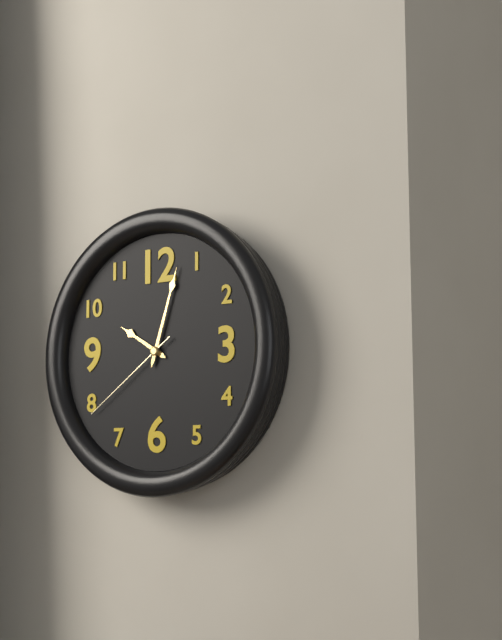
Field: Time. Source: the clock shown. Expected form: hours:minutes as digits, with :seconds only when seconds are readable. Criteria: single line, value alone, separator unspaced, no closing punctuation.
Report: 10:03:39
